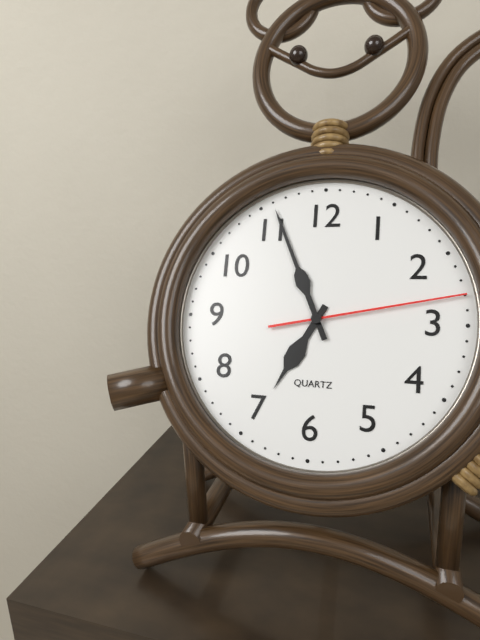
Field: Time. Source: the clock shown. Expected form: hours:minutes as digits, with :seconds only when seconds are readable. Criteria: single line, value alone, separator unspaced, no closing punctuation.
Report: 6:56:13
